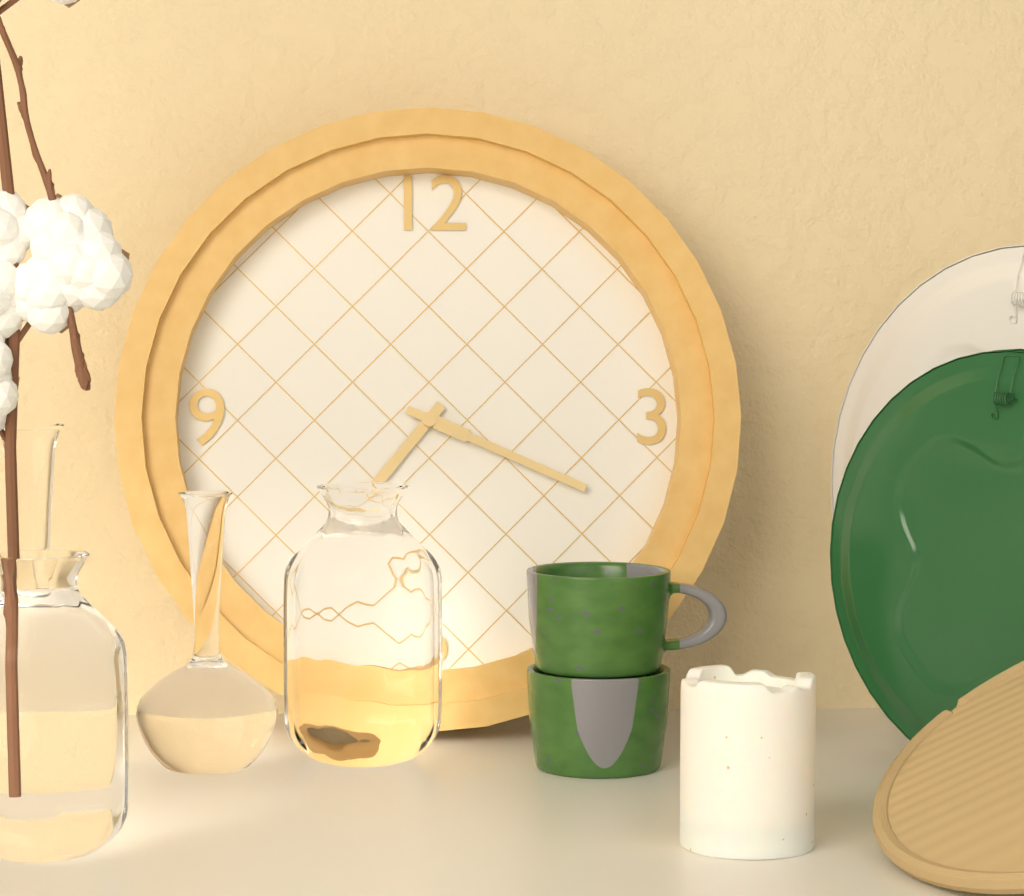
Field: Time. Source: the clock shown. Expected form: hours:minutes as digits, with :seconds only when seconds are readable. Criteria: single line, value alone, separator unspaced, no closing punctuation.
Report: 7:19
